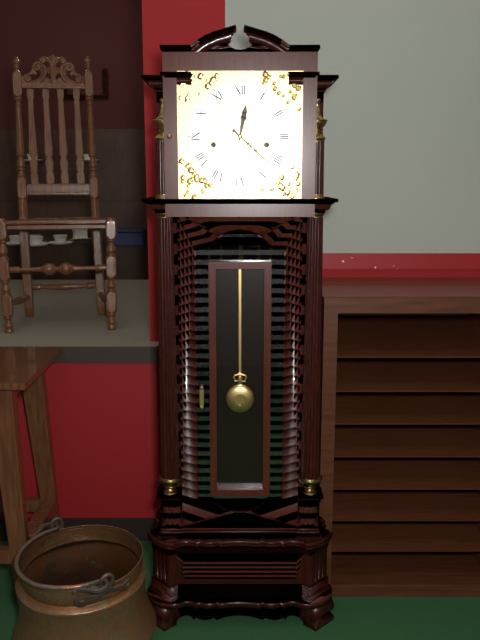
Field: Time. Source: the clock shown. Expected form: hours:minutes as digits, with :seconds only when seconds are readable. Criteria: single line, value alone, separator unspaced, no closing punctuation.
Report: 12:22
